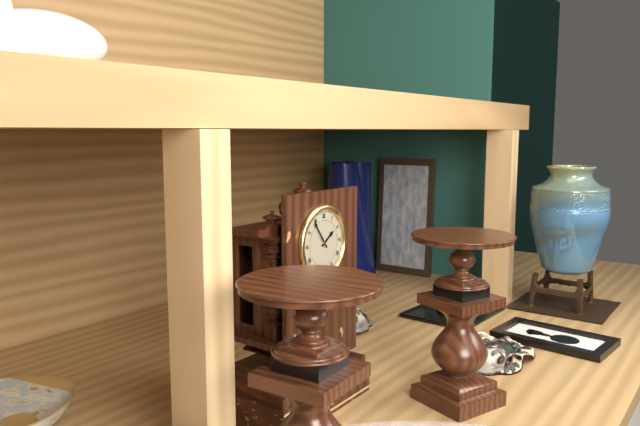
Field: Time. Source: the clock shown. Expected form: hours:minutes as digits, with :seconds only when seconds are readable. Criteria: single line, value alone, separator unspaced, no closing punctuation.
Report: 1:54
